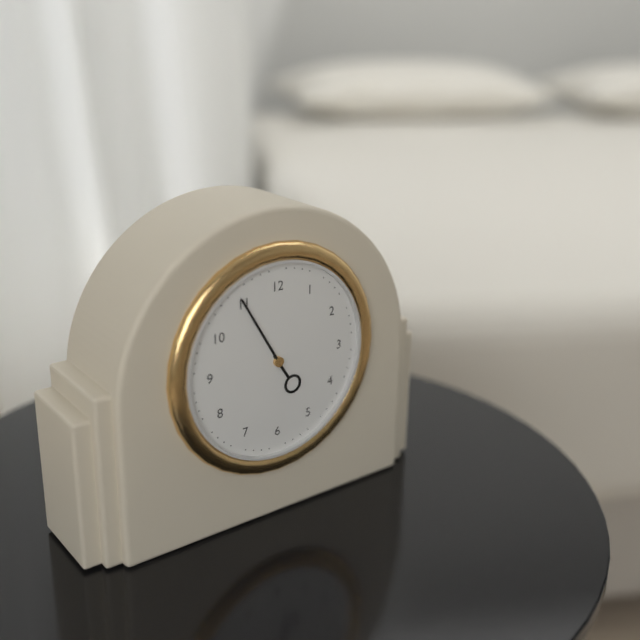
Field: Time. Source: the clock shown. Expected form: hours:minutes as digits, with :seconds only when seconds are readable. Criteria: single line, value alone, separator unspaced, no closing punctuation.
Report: 4:55
